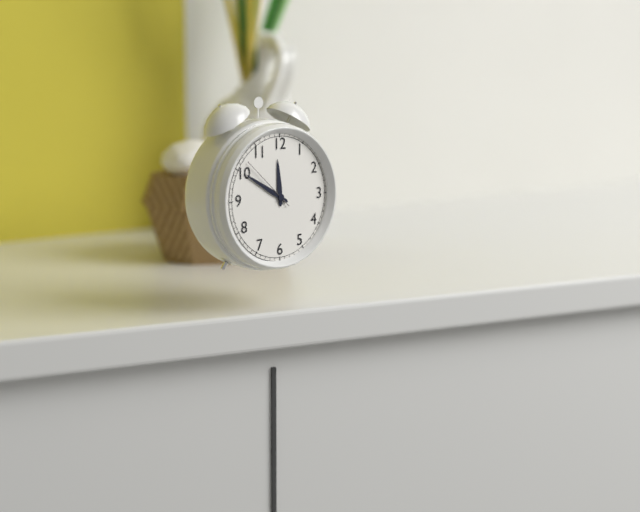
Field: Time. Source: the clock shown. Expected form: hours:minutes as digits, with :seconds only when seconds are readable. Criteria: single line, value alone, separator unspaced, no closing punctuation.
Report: 11:50:52
